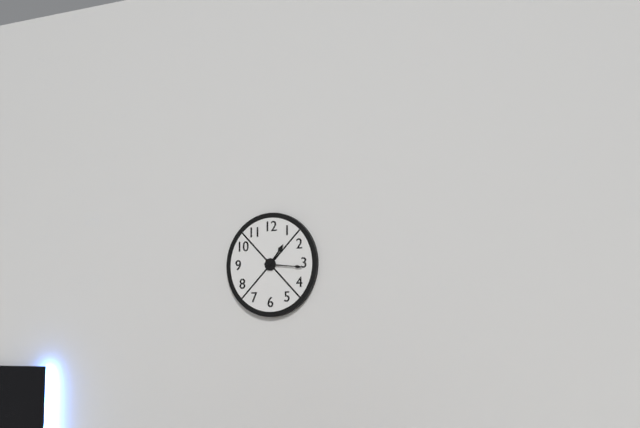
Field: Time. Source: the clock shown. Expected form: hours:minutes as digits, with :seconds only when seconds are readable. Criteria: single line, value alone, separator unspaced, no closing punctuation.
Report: 1:16
